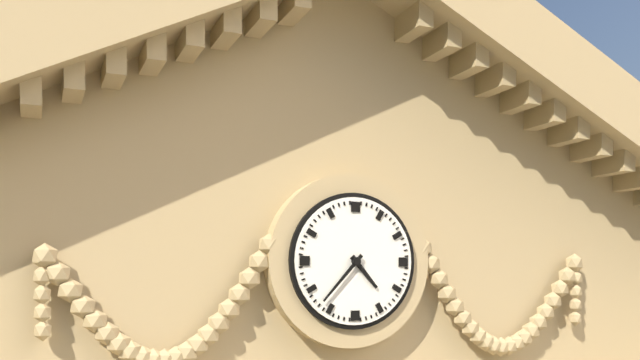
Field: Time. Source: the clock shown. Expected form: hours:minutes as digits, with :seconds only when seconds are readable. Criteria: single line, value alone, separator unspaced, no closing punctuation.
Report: 4:37
